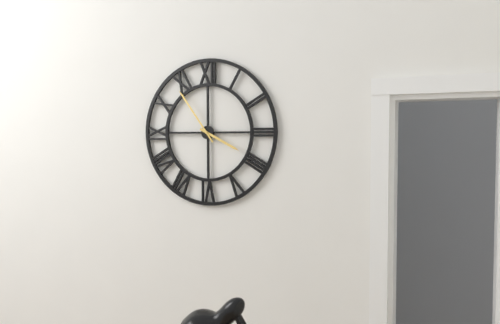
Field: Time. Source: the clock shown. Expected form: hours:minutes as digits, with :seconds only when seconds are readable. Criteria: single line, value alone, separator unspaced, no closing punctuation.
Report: 3:54
